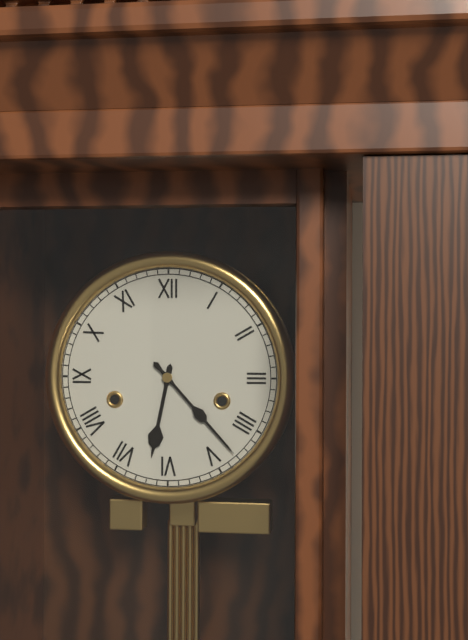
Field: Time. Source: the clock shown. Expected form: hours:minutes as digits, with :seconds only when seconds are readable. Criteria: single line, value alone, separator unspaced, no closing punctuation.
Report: 6:23
